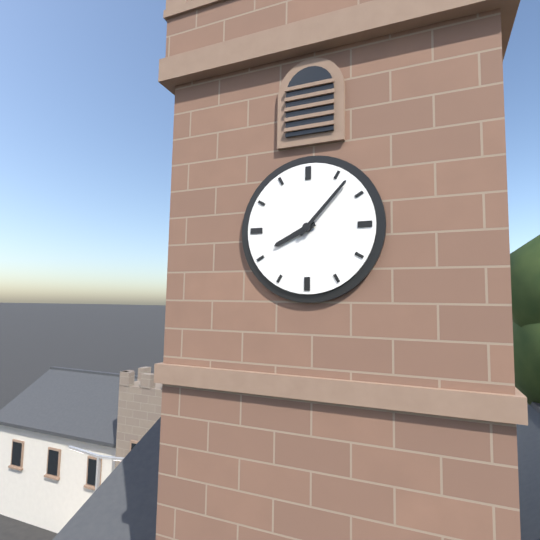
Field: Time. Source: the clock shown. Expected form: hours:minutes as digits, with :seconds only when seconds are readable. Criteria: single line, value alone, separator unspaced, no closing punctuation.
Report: 8:07
